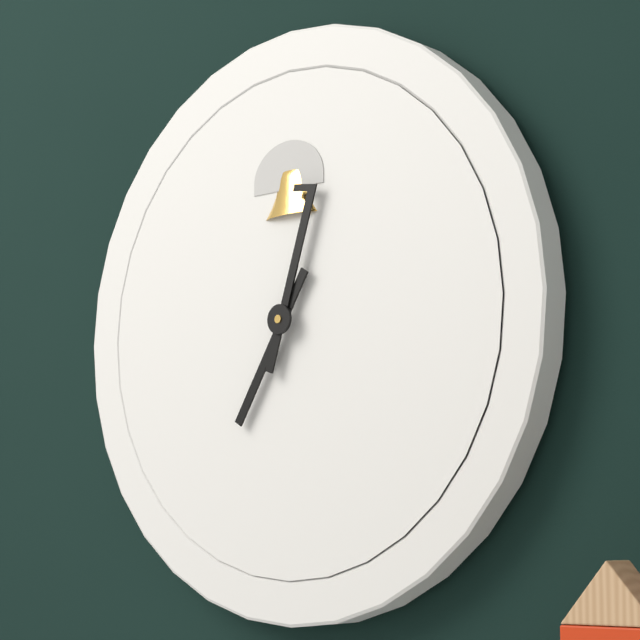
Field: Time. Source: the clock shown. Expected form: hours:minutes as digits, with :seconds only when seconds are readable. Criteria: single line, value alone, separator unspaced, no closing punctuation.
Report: 7:03
